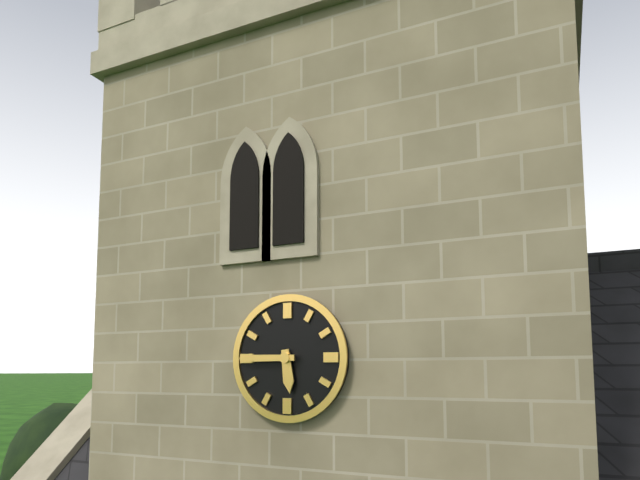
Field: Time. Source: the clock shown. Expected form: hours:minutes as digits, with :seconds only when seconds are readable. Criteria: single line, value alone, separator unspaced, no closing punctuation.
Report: 5:45
